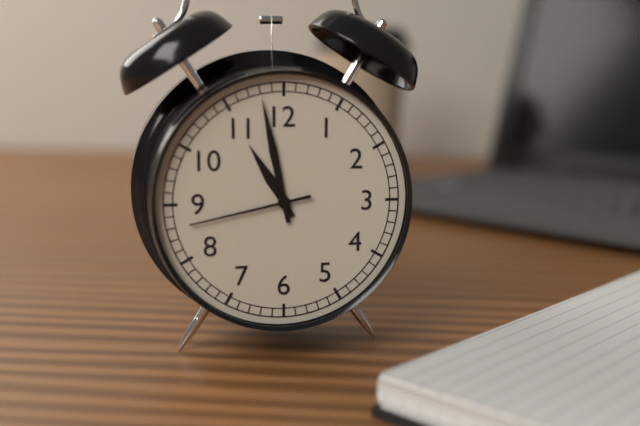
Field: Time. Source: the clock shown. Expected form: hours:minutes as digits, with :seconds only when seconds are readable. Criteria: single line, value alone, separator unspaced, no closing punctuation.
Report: 10:58:43
